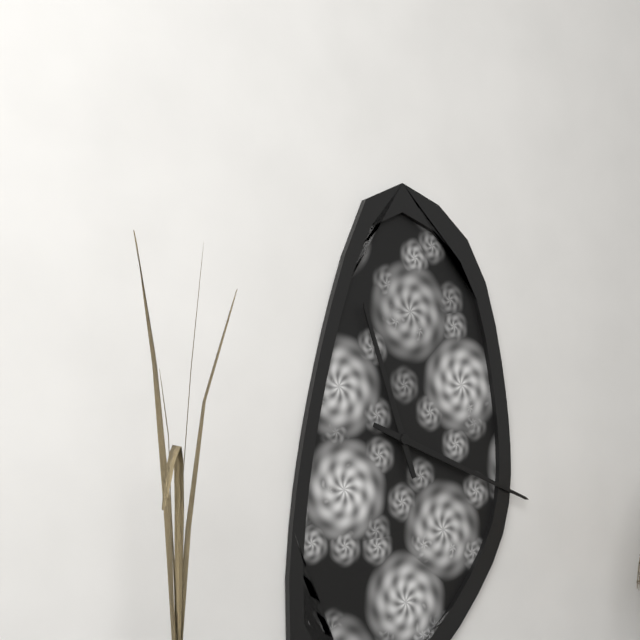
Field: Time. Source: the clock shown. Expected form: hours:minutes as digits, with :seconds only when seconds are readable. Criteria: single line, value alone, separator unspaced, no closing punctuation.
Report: 11:18
